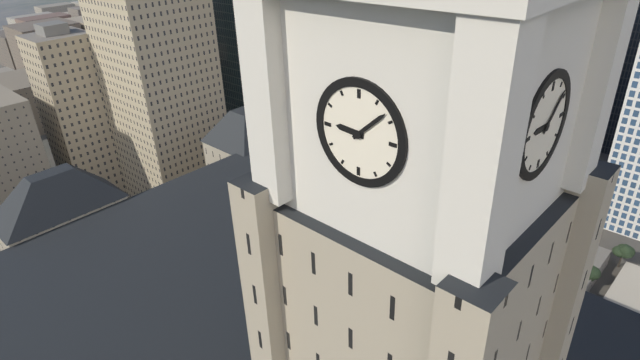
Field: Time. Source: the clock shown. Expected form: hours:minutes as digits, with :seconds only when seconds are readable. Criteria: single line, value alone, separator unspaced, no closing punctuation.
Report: 9:08
